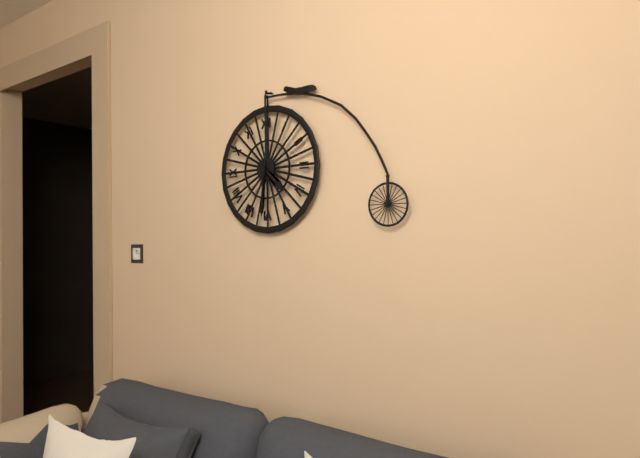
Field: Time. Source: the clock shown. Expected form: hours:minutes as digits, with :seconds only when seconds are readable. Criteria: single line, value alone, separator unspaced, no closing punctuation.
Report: 4:31
